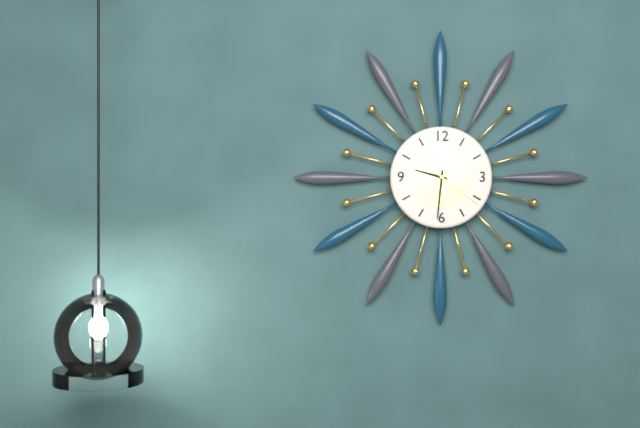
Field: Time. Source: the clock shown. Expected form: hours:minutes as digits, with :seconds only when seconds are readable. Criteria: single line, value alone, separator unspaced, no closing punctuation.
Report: 9:31:21
